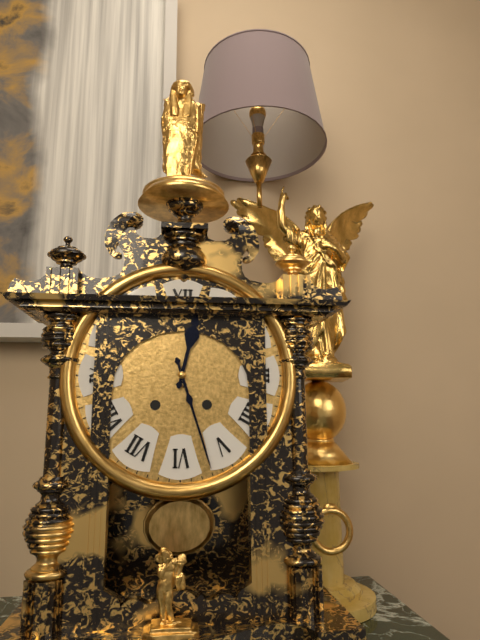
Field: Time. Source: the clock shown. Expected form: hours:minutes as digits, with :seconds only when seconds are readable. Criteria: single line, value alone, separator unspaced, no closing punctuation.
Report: 12:27
